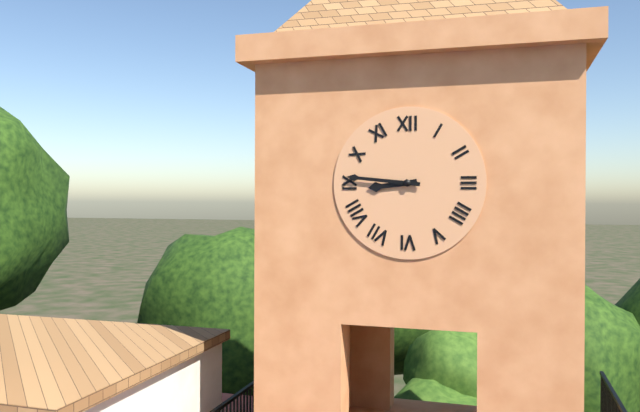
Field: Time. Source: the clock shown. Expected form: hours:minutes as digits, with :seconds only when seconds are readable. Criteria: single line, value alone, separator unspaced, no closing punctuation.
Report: 8:46
